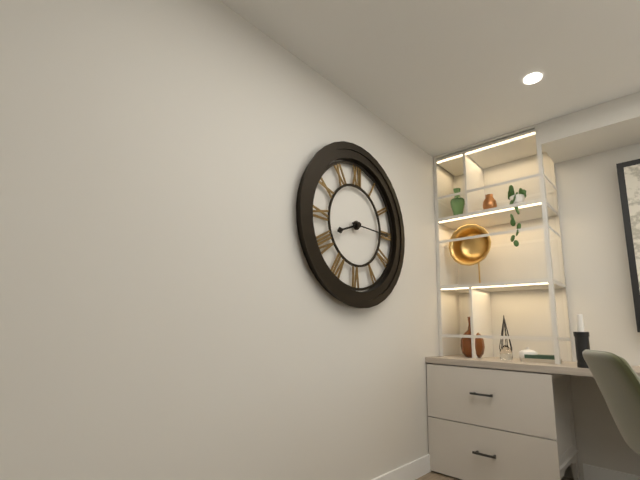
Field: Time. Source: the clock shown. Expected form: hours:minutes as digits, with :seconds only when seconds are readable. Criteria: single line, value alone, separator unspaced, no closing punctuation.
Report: 8:15
